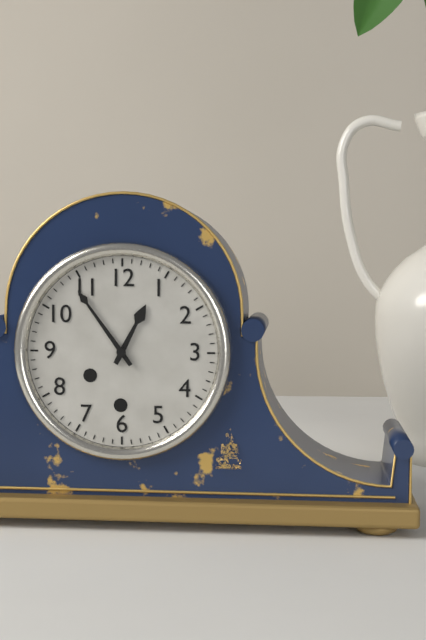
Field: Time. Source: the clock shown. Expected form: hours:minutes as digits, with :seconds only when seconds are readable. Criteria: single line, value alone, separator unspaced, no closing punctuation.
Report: 12:54
